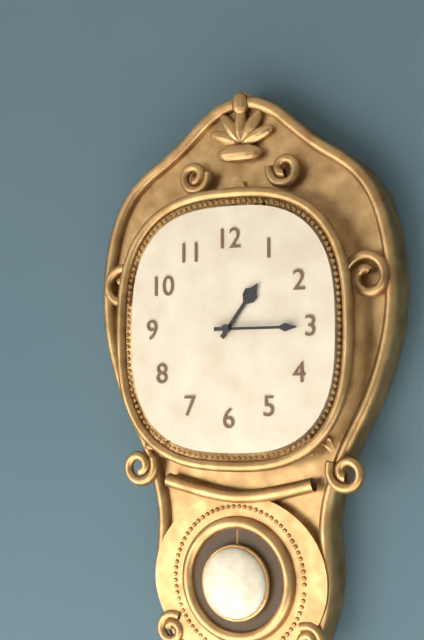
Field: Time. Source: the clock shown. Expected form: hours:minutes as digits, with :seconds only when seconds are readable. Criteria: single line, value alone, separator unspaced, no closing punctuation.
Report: 1:15
